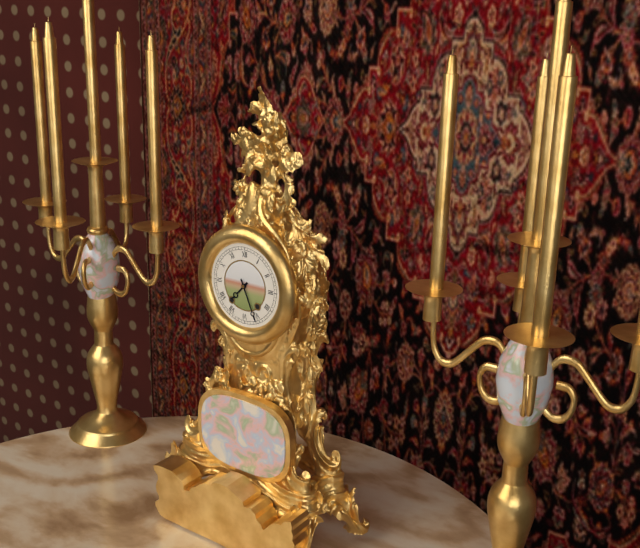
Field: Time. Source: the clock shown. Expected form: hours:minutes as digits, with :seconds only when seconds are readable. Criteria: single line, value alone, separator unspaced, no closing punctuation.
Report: 7:26
